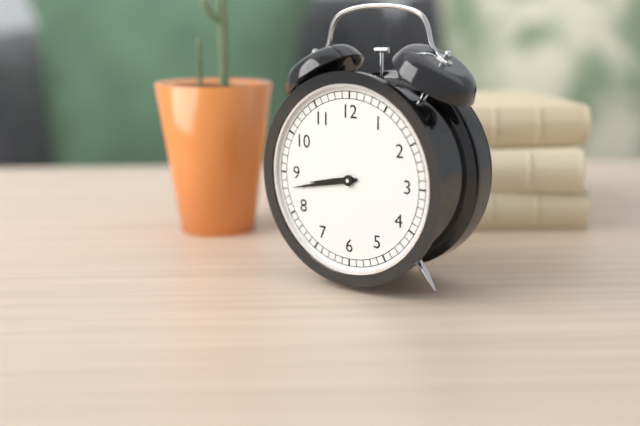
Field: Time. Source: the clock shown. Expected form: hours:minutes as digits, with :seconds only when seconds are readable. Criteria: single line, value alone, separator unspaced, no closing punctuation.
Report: 8:43
